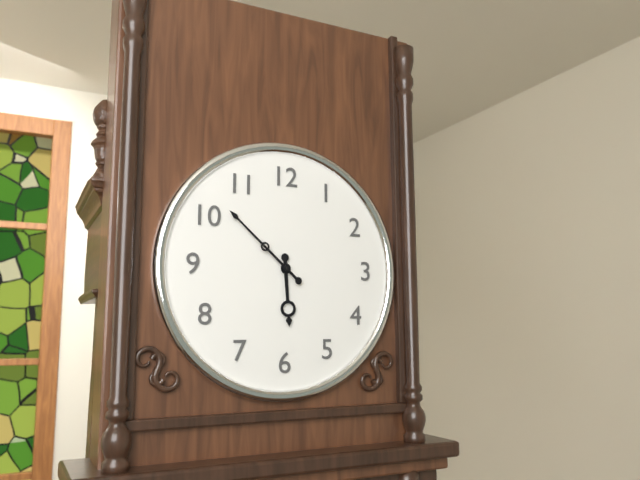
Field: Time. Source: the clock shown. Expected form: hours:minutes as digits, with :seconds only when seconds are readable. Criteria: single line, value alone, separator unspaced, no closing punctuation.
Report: 5:52
